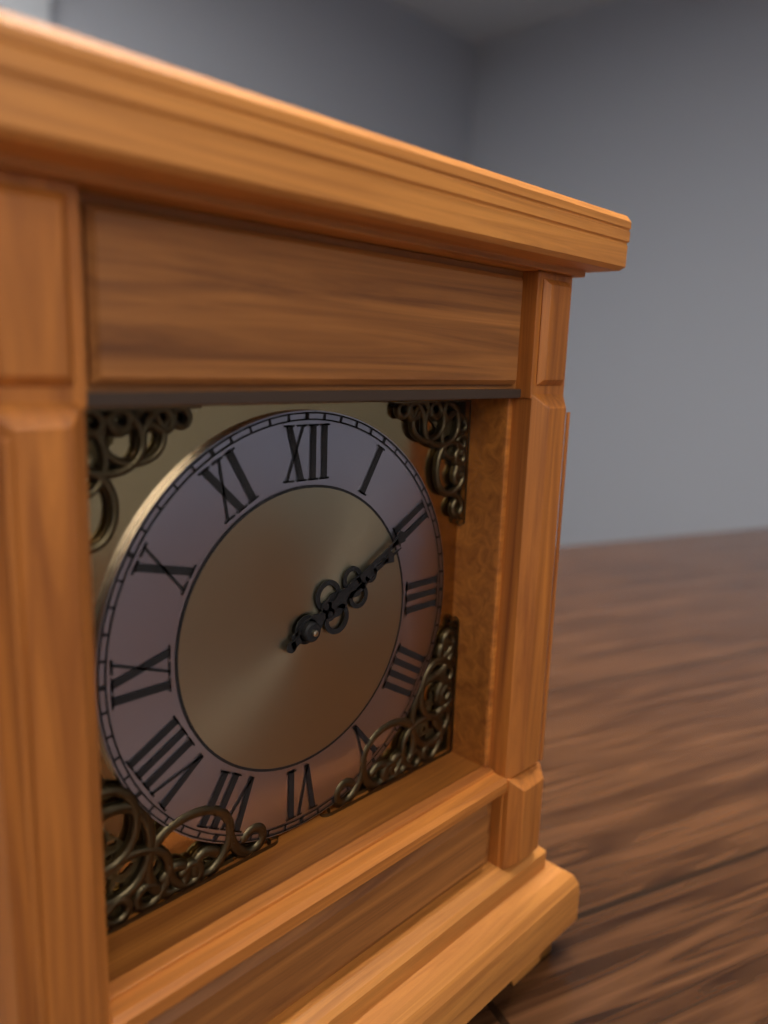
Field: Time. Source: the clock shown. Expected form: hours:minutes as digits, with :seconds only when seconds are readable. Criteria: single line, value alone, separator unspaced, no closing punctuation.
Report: 2:10
